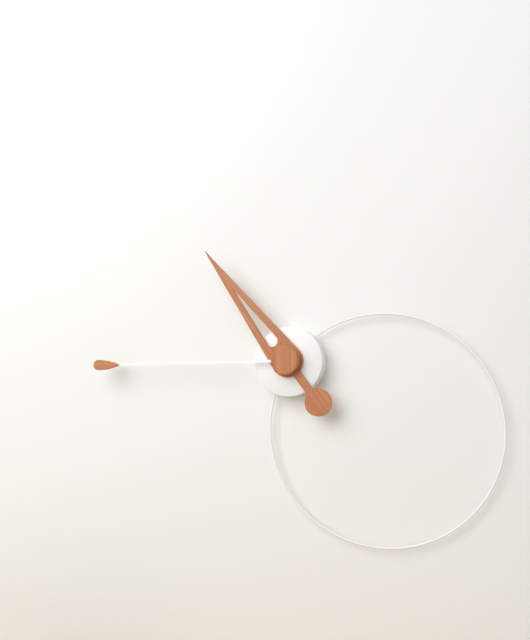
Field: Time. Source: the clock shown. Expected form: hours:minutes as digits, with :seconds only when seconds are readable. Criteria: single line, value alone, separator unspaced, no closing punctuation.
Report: 10:45
